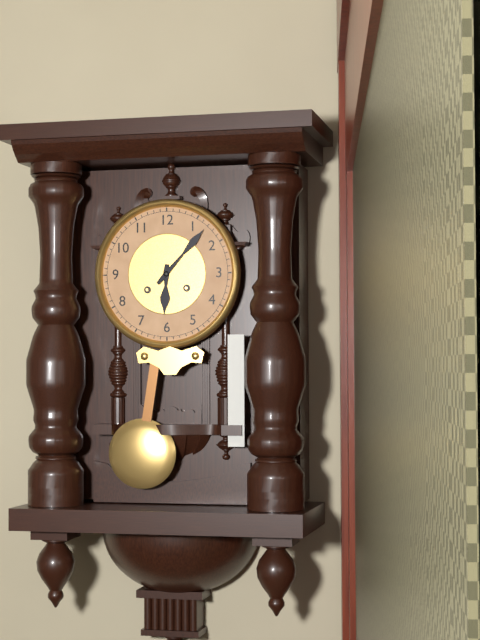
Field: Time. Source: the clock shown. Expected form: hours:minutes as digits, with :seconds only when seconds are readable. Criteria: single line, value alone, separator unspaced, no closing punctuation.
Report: 6:07
